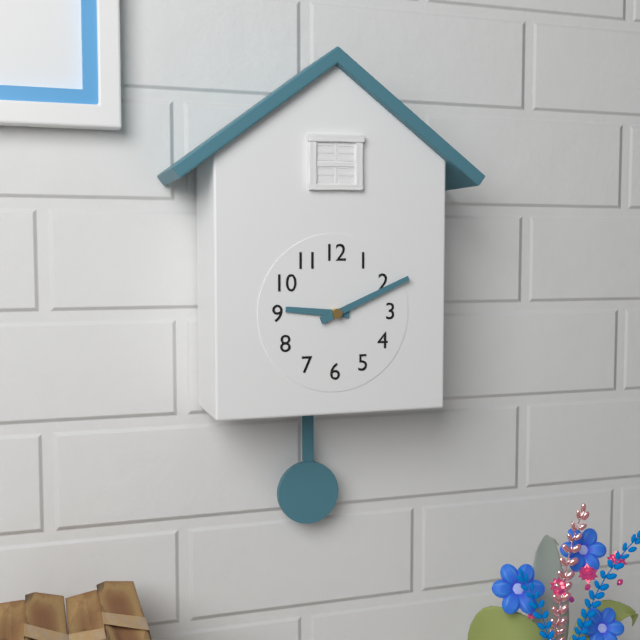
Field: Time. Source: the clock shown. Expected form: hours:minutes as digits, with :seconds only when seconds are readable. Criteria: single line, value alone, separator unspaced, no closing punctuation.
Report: 9:11
